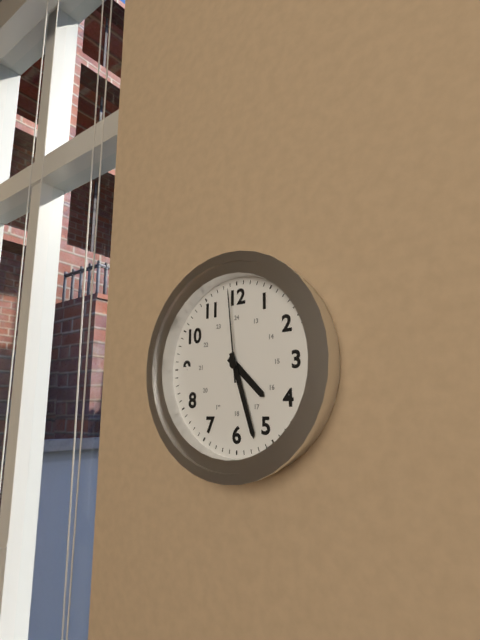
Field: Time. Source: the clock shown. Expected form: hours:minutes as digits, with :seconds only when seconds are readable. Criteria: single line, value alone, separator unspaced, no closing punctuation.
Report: 4:27:59
